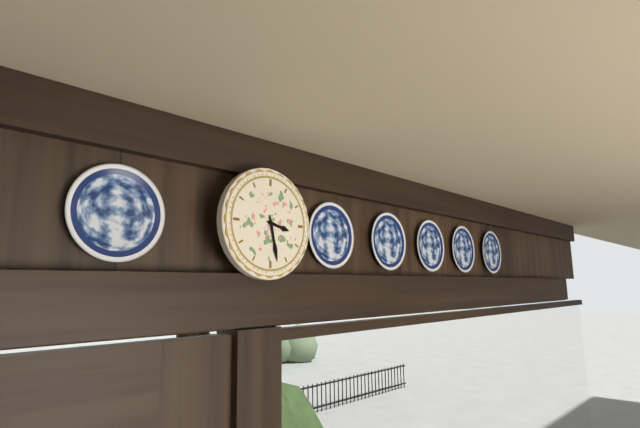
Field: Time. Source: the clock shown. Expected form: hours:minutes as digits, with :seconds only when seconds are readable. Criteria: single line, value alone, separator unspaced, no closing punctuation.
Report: 3:28
